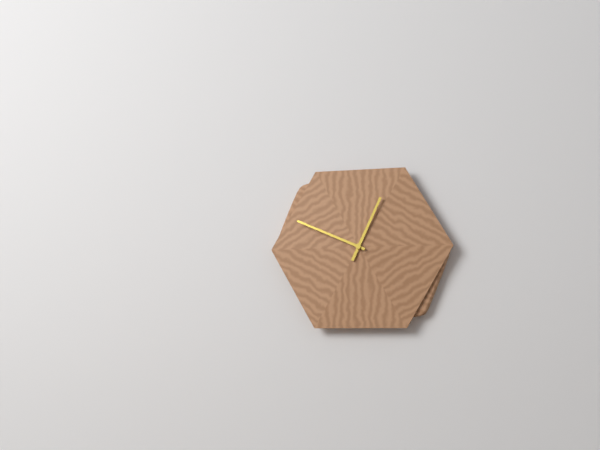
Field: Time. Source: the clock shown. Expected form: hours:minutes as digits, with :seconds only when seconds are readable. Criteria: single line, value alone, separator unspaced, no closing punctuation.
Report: 12:49
